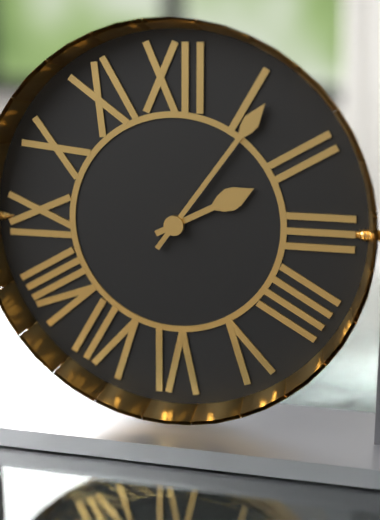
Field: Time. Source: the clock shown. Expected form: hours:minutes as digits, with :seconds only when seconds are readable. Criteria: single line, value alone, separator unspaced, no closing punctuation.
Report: 2:06
